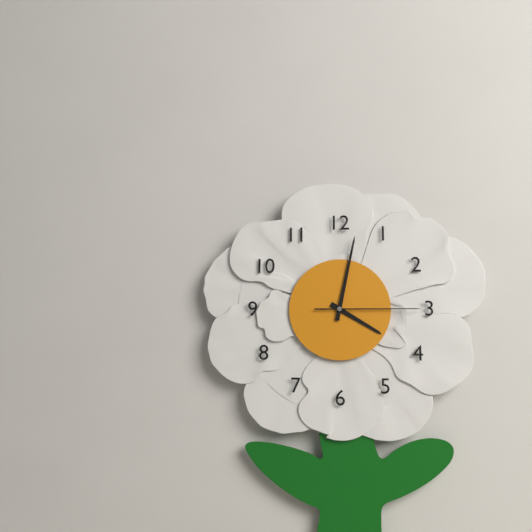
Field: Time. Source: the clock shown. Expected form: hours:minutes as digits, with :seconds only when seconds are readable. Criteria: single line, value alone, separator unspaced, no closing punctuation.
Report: 4:02:15
